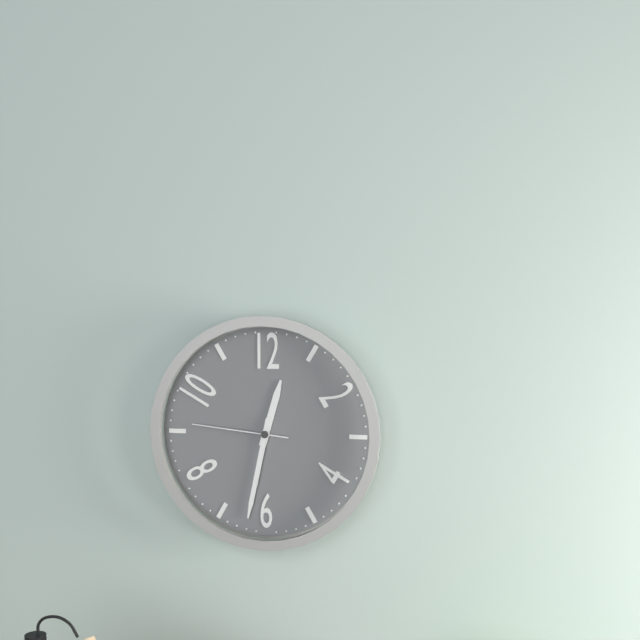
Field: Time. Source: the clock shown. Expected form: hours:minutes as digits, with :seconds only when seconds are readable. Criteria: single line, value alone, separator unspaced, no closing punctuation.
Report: 12:32:46
